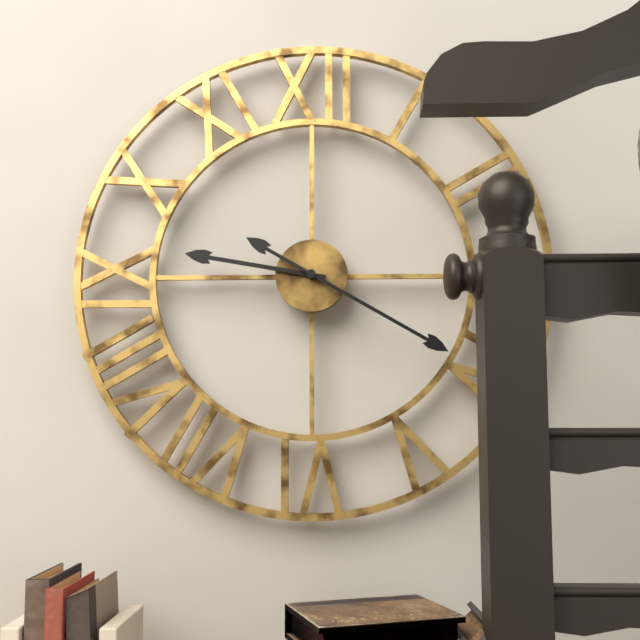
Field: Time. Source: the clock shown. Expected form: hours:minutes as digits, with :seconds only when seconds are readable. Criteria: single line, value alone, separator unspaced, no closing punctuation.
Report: 9:20
